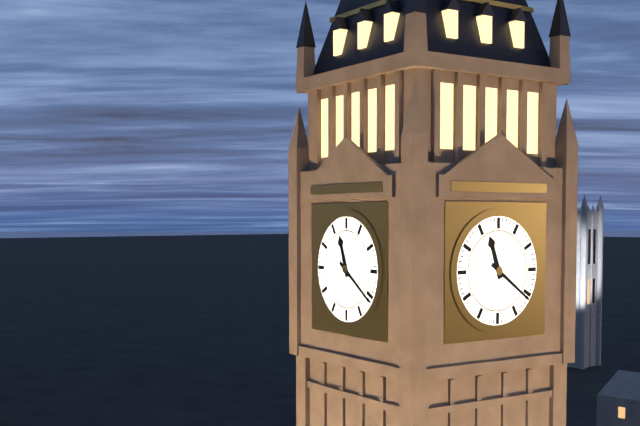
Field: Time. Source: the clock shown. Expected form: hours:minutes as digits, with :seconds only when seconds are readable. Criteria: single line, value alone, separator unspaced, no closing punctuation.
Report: 11:21
